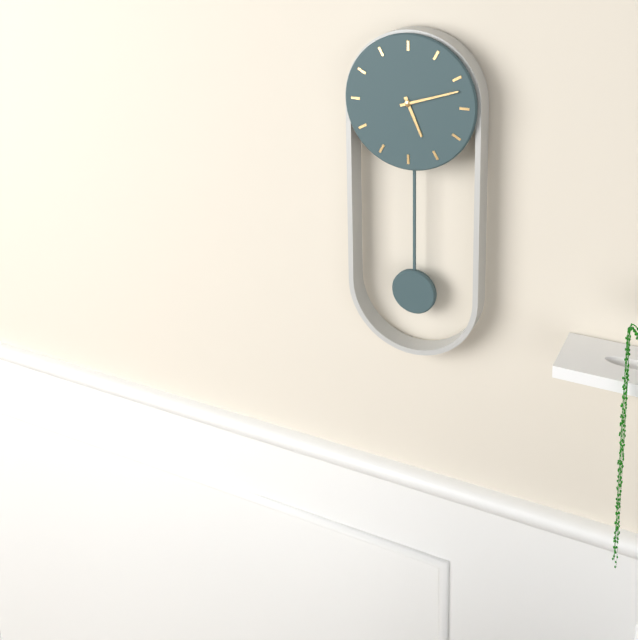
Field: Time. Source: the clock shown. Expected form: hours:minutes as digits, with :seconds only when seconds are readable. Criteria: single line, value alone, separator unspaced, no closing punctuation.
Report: 5:12
